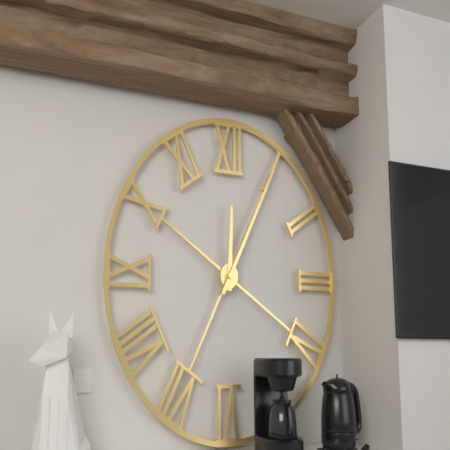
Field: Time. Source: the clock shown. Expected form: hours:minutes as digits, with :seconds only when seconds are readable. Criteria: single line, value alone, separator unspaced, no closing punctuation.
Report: 12:05
